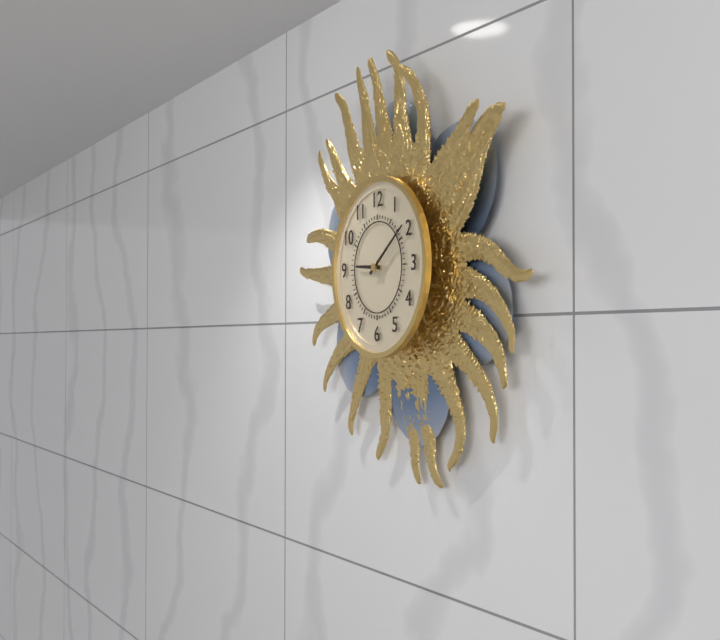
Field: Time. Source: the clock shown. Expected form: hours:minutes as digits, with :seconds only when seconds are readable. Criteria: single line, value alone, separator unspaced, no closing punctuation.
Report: 9:09
